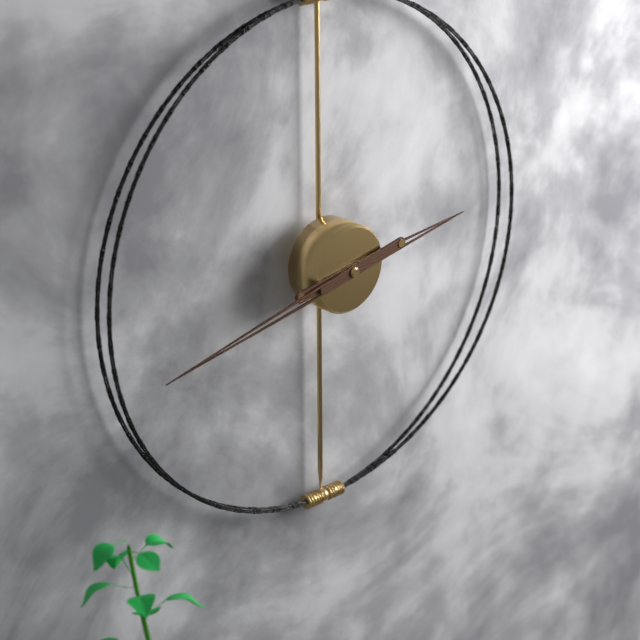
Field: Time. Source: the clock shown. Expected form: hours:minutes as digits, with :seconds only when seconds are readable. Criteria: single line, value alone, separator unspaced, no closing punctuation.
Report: 2:43
